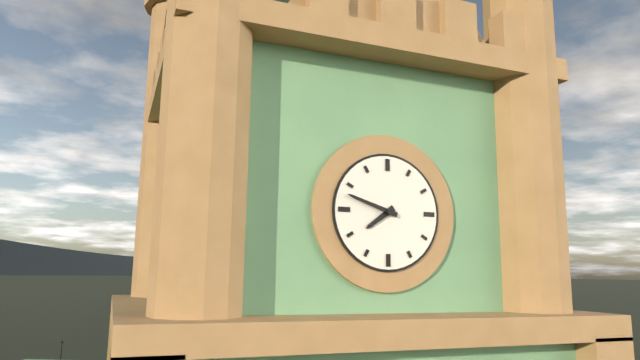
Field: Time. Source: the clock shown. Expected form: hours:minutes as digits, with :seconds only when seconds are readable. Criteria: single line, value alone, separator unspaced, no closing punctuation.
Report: 7:48
